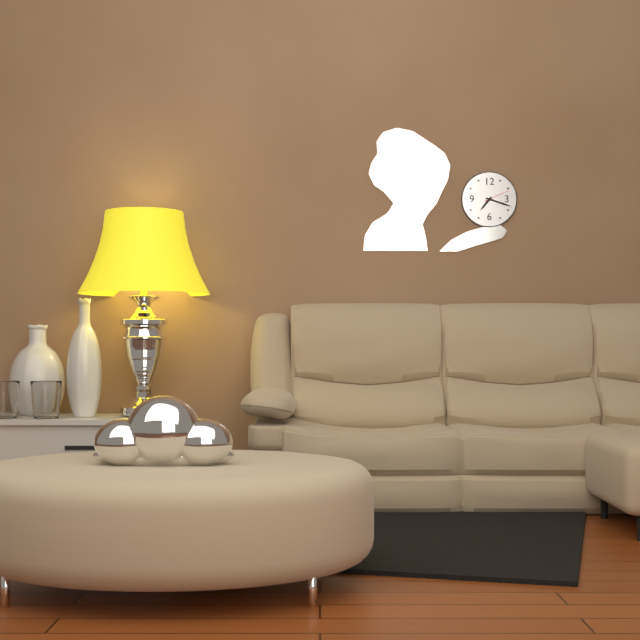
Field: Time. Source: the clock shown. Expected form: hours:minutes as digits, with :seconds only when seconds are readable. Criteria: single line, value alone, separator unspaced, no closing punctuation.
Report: 7:18
